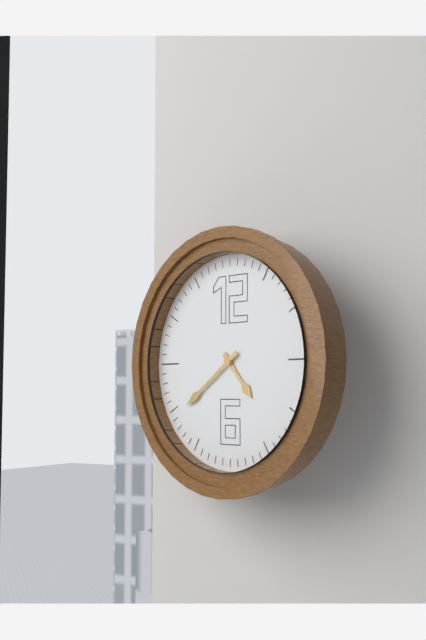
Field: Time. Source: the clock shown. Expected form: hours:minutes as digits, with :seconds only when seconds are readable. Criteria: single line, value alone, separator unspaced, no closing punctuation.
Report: 4:39
